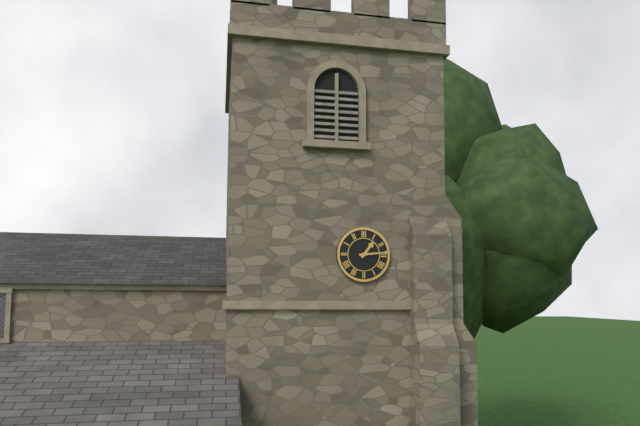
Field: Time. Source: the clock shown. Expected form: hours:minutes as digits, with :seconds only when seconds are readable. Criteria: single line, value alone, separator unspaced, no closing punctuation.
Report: 1:14
